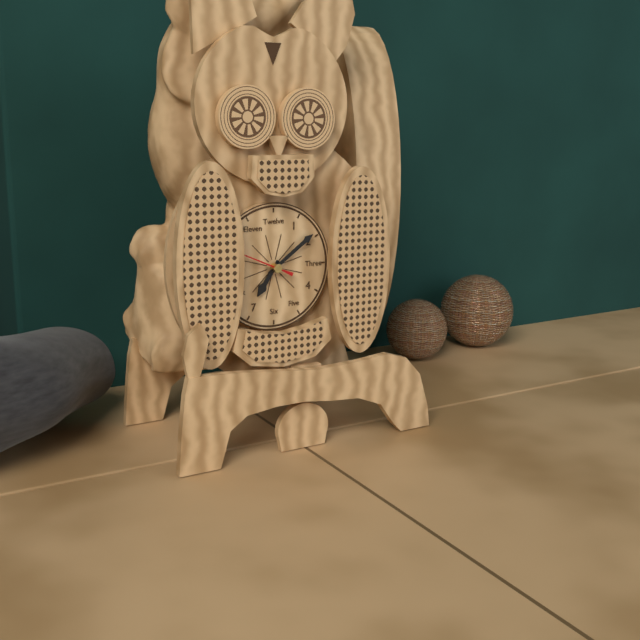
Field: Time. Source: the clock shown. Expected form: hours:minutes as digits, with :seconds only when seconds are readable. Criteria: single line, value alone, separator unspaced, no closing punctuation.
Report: 7:09
